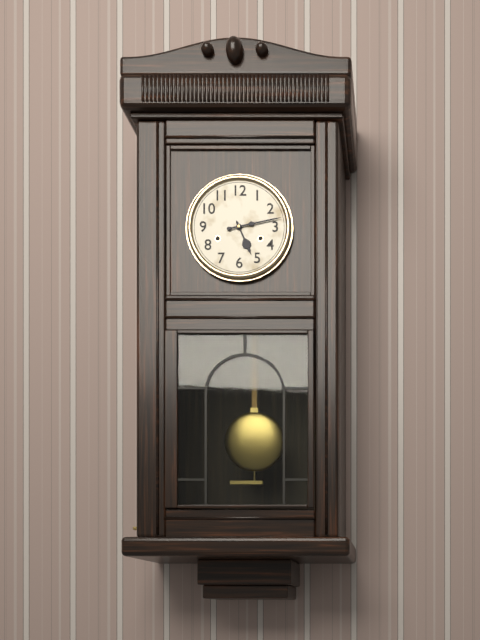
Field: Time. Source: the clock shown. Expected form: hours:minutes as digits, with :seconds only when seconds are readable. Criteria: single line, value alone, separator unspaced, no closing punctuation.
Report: 5:13
